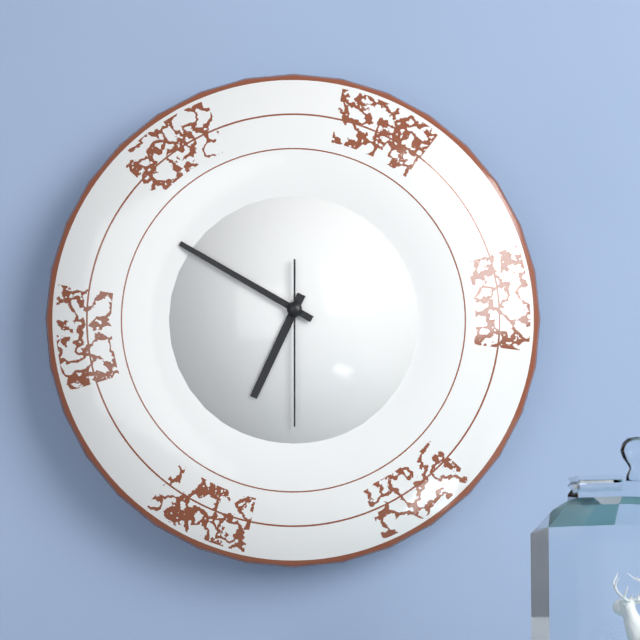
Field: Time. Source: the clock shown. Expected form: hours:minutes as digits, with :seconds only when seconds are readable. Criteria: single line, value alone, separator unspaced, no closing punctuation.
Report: 6:50:30
